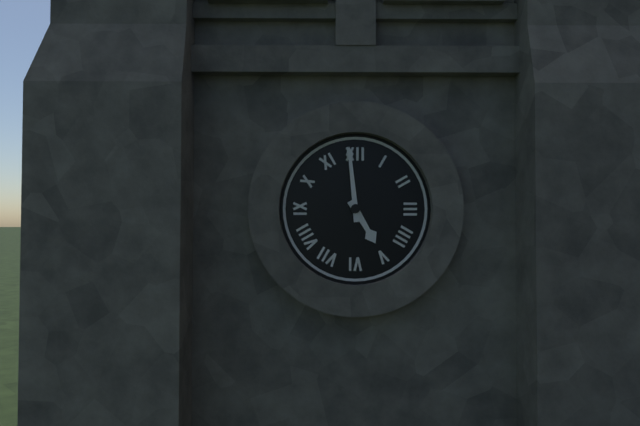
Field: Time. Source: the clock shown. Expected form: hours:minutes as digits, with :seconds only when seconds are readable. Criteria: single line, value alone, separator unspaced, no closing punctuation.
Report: 4:59
